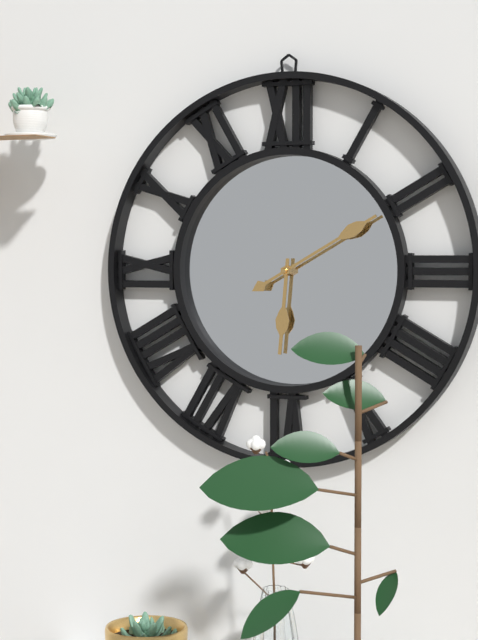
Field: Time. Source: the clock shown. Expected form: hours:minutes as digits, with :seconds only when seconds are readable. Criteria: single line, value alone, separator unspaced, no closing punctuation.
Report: 6:10
